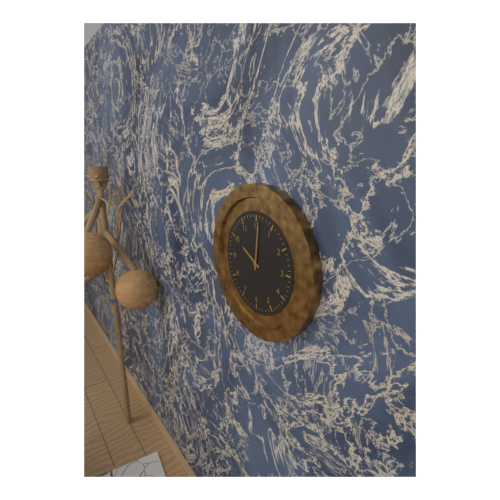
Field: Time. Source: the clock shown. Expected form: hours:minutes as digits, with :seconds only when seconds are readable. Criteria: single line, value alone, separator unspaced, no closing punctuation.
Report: 10:01
